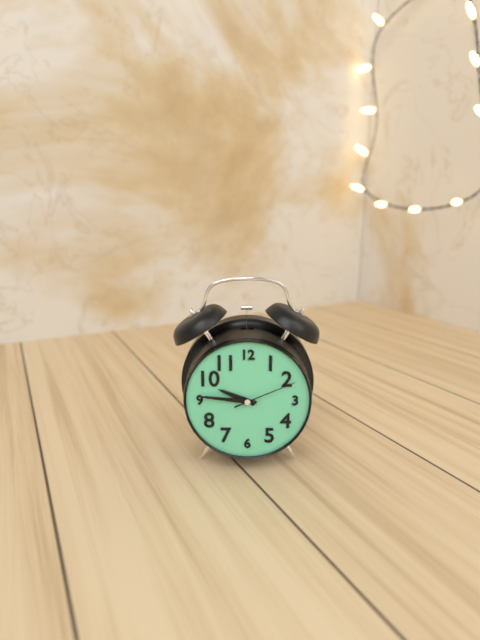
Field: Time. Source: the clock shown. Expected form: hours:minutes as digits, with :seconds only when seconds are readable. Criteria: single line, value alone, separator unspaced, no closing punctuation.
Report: 9:46:11
